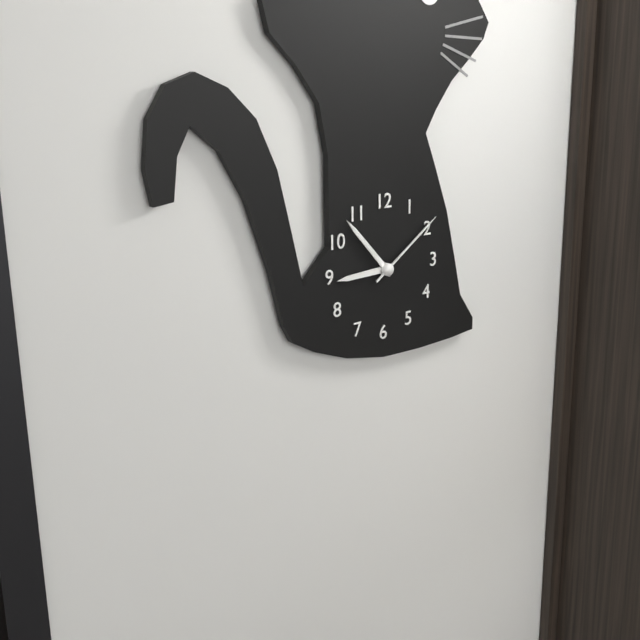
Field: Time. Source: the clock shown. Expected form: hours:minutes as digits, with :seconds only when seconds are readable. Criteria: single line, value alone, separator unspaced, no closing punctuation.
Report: 8:53:09
